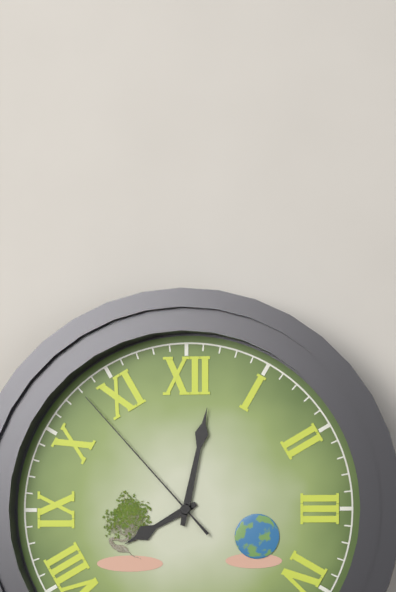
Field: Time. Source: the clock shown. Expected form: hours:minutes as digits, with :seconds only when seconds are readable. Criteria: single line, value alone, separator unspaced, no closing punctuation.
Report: 8:02:53
